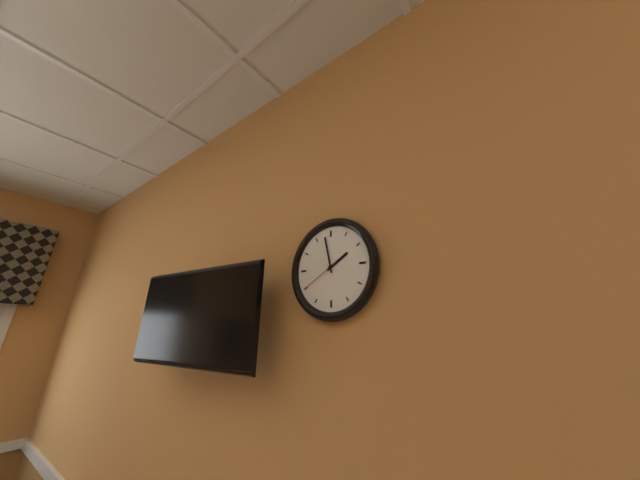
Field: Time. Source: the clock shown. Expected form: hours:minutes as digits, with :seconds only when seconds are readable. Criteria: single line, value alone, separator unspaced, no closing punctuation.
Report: 1:58
